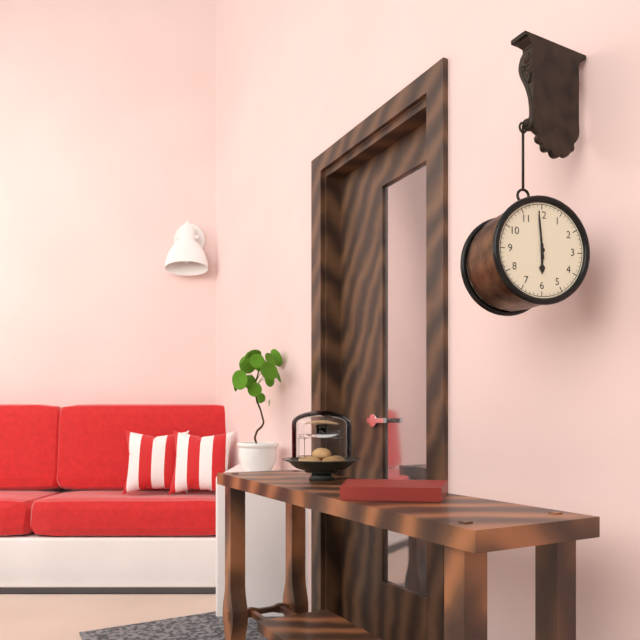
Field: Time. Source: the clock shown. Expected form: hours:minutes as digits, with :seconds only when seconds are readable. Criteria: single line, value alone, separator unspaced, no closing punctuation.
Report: 5:59
